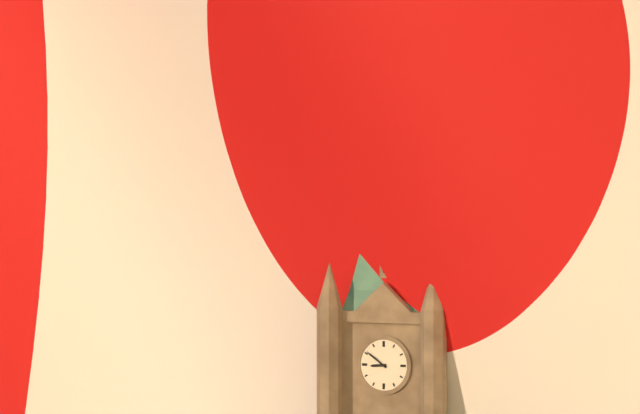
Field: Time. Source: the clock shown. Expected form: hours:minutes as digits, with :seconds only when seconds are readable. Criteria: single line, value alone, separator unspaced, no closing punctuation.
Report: 8:51
